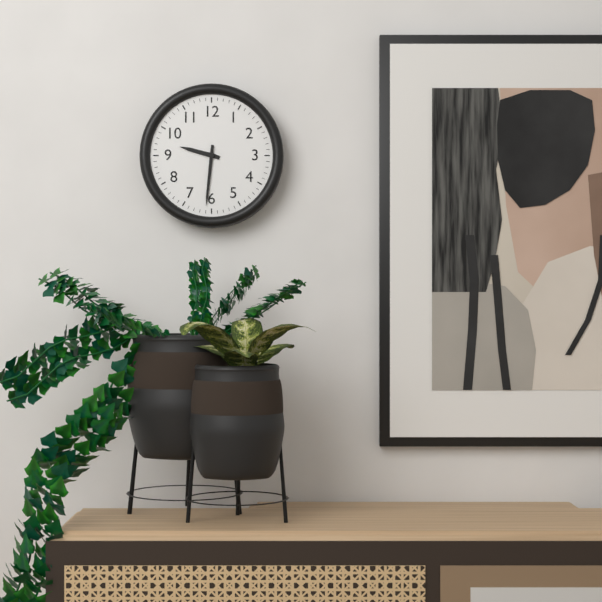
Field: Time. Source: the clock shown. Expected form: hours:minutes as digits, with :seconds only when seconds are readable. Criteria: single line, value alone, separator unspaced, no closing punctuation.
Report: 9:31
